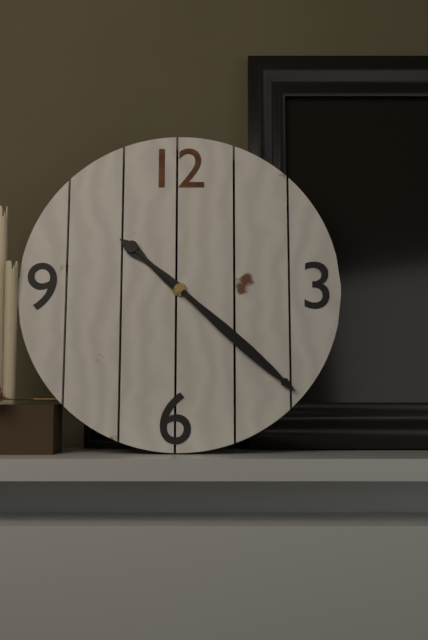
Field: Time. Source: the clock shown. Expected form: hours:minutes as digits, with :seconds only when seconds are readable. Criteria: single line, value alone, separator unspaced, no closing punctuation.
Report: 10:22
